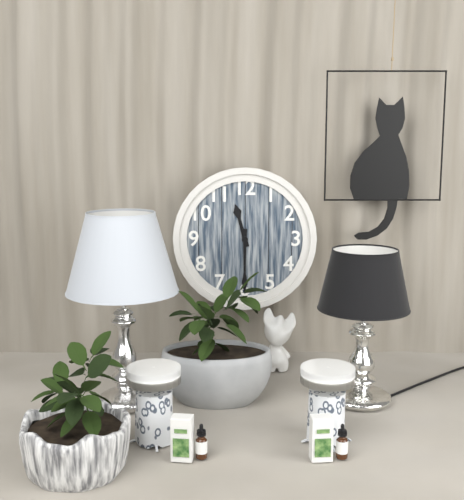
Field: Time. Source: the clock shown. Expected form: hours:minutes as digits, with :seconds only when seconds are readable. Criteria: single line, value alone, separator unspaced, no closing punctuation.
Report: 11:30
